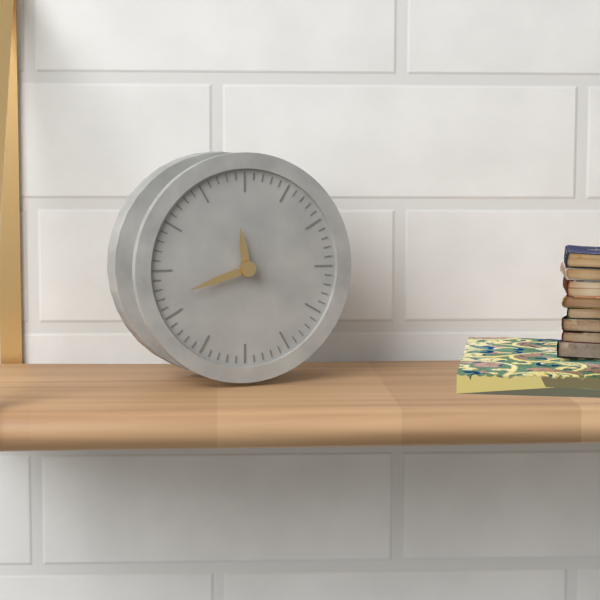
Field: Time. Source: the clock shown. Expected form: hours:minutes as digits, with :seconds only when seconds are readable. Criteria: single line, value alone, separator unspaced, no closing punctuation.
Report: 11:42
